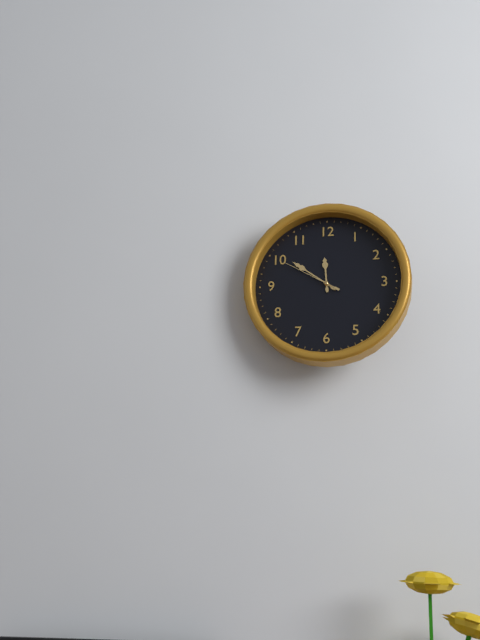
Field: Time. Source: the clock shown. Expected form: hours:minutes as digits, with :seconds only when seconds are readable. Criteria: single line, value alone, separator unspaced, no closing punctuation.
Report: 11:51:50
